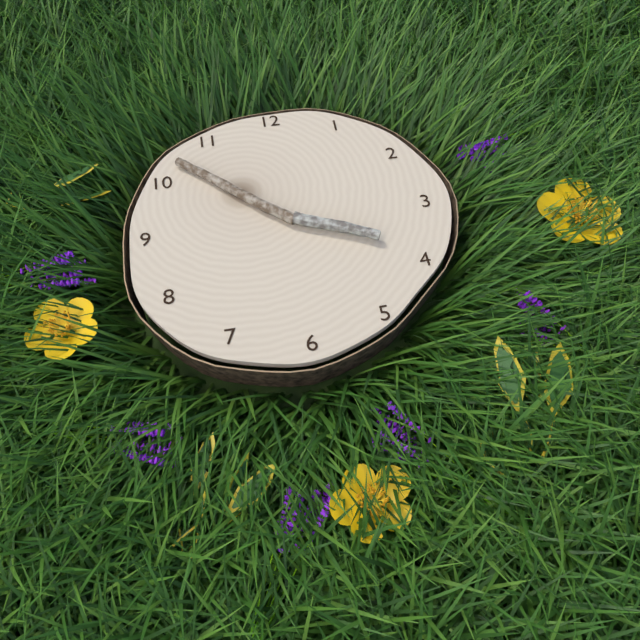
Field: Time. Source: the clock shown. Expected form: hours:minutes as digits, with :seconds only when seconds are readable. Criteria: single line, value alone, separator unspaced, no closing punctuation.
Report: 3:52
